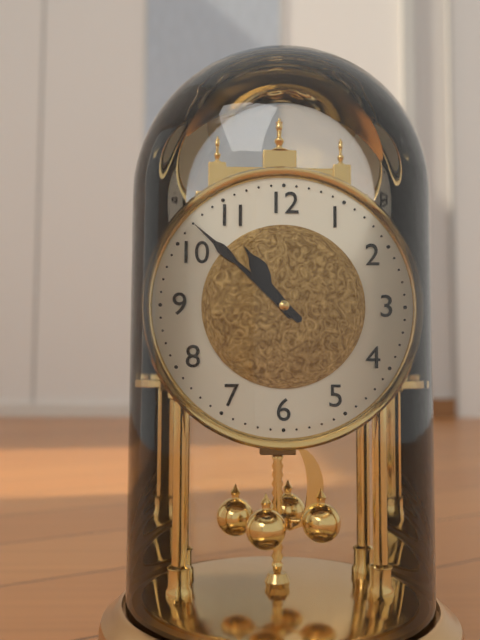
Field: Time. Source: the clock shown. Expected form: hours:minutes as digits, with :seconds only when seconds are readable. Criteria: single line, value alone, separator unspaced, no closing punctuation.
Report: 10:52
